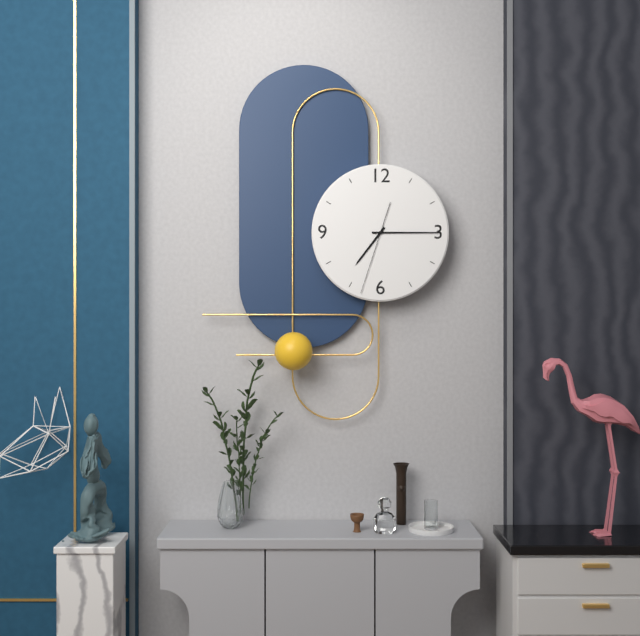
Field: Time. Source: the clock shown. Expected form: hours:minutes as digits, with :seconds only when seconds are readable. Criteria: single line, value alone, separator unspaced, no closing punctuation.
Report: 7:15:33
